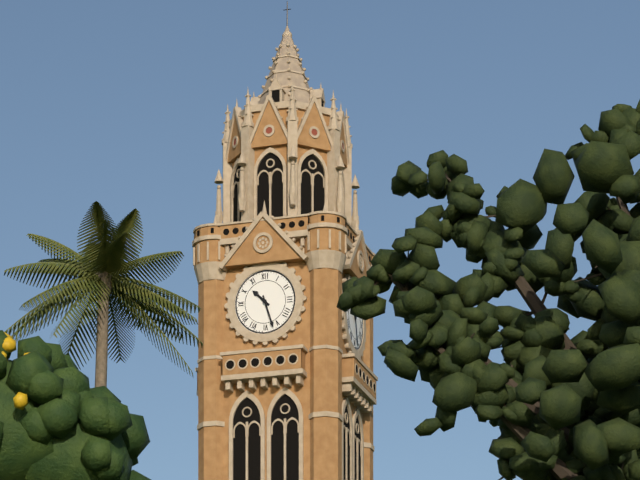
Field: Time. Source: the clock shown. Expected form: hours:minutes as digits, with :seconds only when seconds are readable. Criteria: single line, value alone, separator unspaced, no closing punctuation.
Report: 10:27
